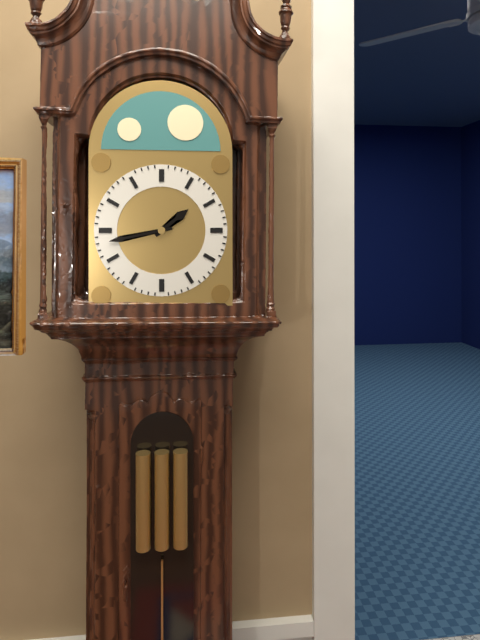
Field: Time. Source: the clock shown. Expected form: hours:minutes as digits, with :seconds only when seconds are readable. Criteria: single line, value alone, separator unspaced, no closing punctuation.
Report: 1:43
